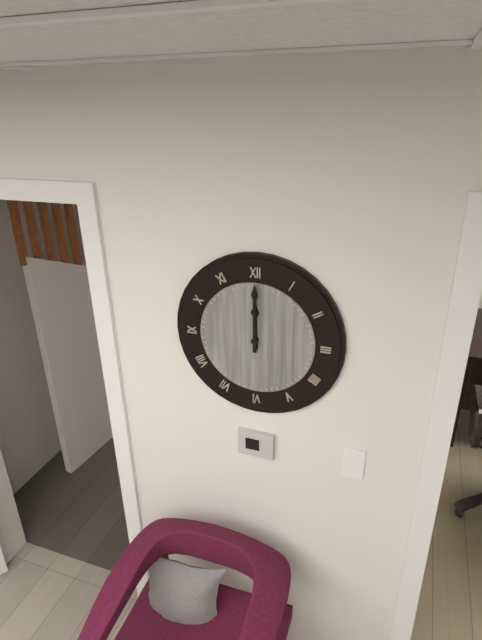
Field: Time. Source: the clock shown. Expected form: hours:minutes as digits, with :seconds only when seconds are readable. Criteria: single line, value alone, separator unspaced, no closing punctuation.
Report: 12:00
